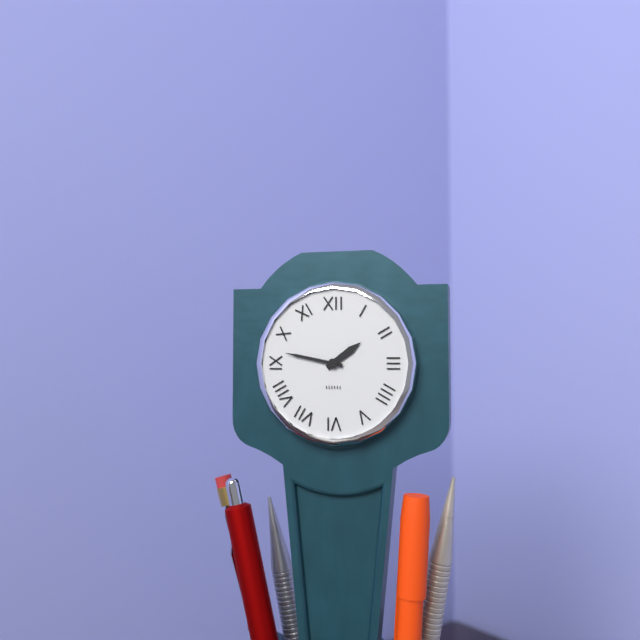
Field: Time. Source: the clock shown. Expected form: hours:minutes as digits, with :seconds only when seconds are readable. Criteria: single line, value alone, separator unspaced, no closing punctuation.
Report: 1:47
